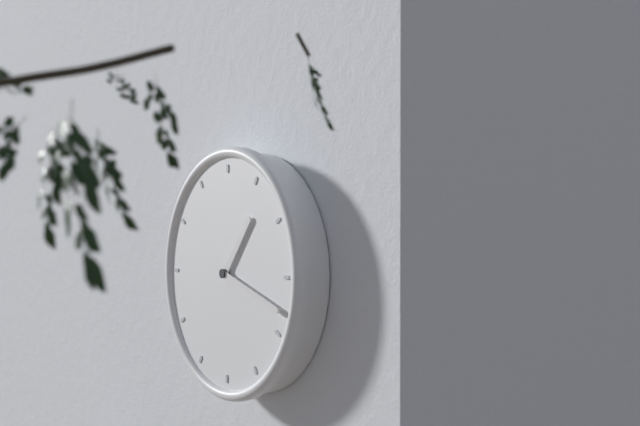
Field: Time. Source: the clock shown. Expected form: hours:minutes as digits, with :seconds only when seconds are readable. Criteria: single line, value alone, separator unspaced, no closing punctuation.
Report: 1:18
